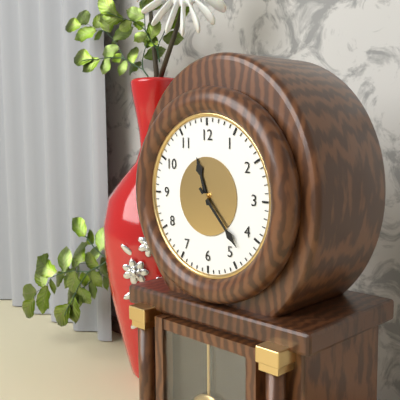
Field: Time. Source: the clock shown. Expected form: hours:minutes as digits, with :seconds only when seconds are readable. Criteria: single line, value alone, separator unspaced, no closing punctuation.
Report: 11:23
